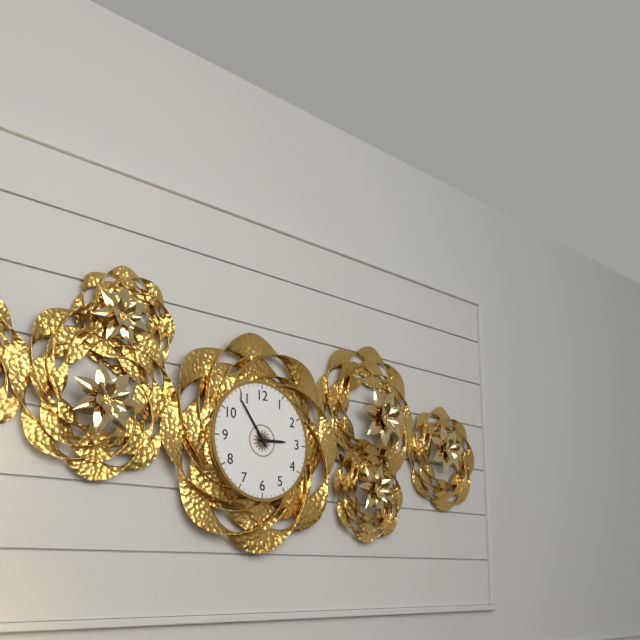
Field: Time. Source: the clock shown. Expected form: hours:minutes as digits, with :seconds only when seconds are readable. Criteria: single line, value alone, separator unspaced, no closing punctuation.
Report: 2:54
